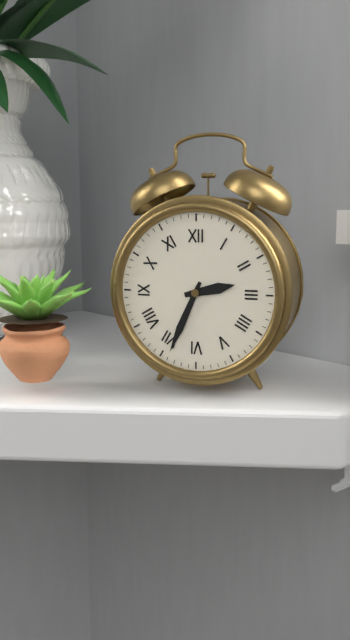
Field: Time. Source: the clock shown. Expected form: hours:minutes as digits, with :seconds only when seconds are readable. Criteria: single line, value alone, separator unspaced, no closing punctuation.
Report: 2:34
